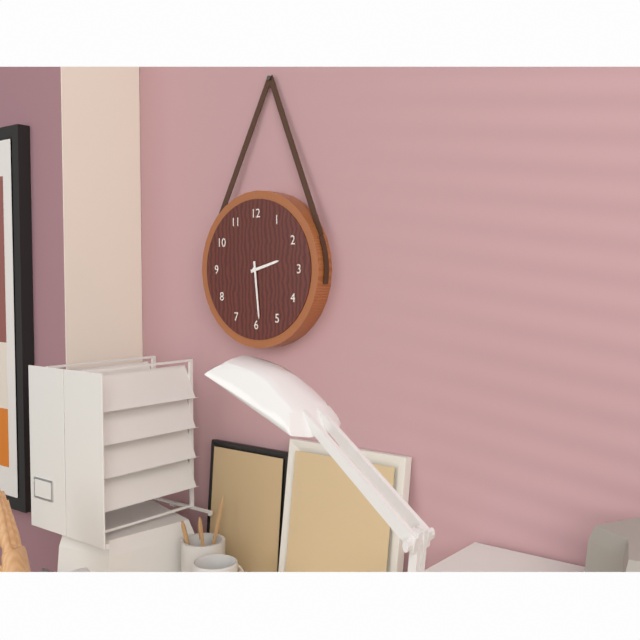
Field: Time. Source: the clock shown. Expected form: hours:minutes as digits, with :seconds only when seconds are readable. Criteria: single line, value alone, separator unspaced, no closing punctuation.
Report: 2:29
